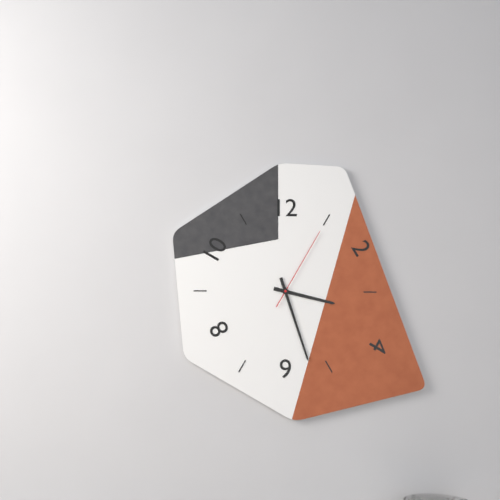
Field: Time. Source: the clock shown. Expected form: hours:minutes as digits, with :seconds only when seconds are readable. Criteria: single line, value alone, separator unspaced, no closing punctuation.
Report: 3:27:05
